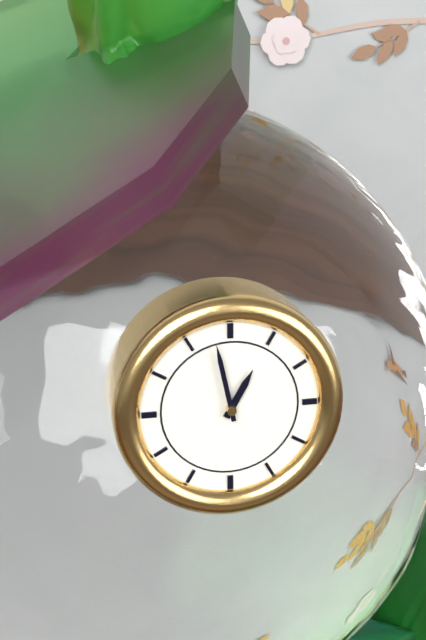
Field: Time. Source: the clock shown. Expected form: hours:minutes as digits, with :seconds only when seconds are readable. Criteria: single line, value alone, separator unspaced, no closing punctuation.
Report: 12:58
